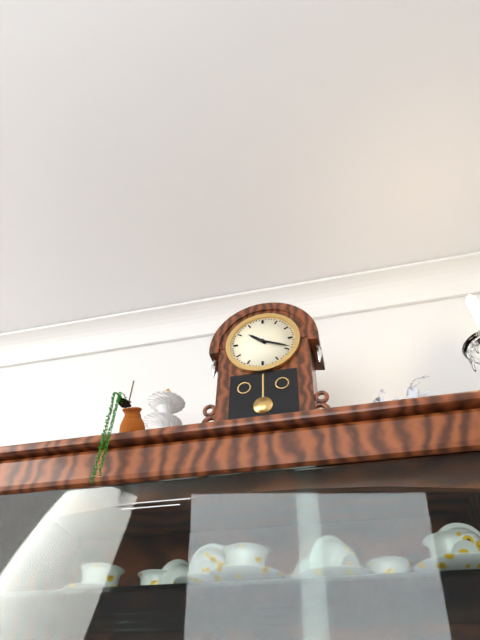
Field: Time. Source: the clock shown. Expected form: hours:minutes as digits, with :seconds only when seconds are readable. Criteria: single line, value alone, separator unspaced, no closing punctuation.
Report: 10:19
